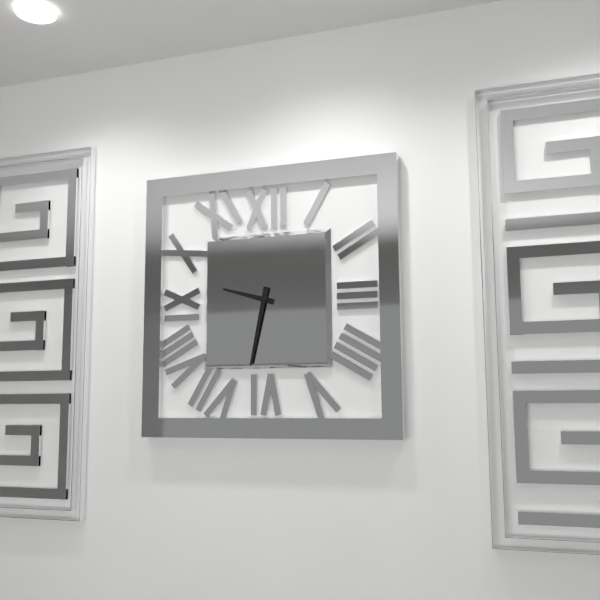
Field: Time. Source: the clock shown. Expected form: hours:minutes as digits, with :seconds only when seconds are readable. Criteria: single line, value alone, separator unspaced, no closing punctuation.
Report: 9:32
